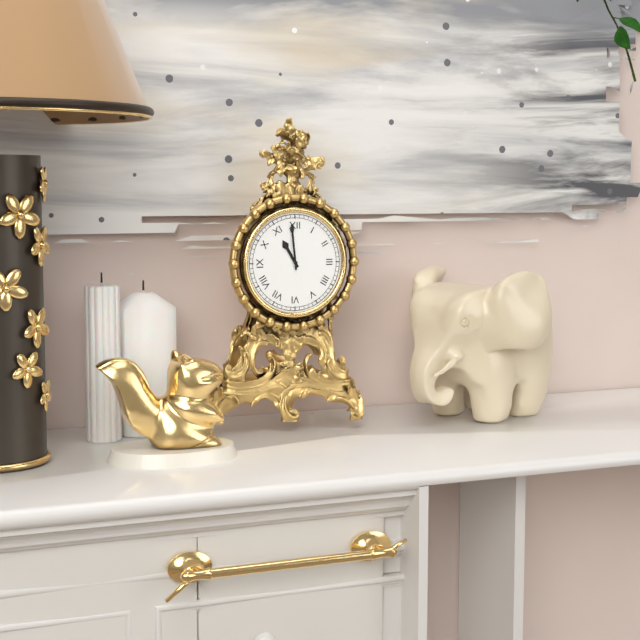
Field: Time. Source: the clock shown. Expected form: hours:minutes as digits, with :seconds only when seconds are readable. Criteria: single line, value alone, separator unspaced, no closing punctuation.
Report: 10:59
